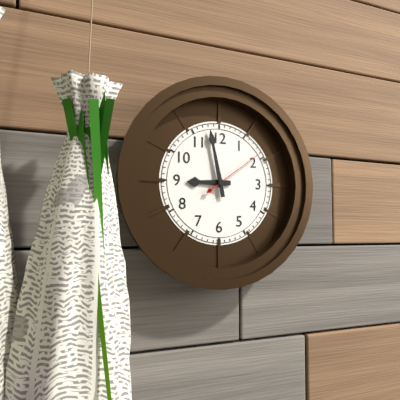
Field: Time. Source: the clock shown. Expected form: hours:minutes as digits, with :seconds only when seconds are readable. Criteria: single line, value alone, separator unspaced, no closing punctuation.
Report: 8:58:09
